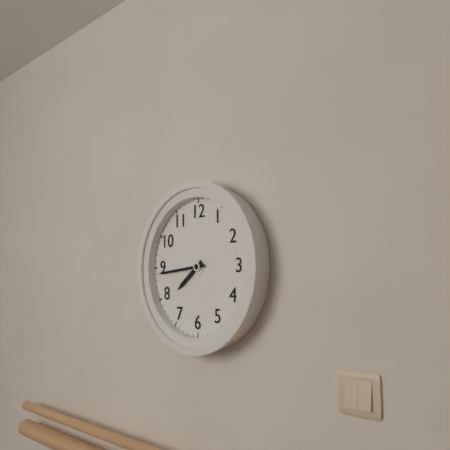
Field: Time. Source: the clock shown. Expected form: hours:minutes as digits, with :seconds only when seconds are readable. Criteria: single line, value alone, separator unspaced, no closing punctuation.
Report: 7:44
